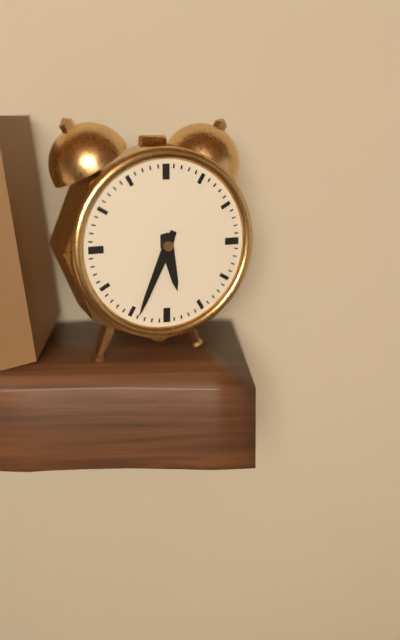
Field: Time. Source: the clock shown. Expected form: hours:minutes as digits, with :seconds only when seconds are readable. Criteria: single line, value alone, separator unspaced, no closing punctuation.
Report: 5:34
